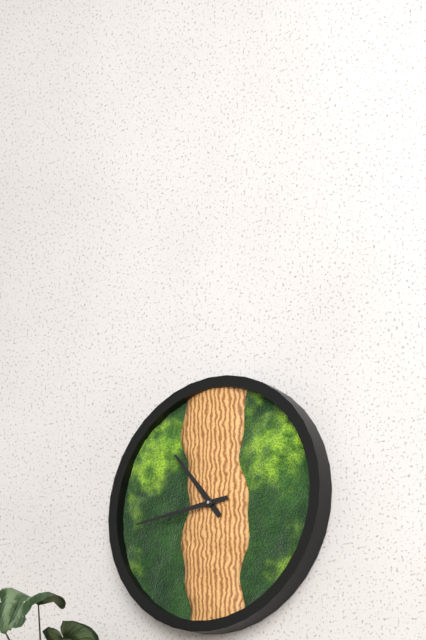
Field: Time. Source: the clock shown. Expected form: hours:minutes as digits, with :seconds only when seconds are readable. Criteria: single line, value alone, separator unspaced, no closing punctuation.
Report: 10:44
